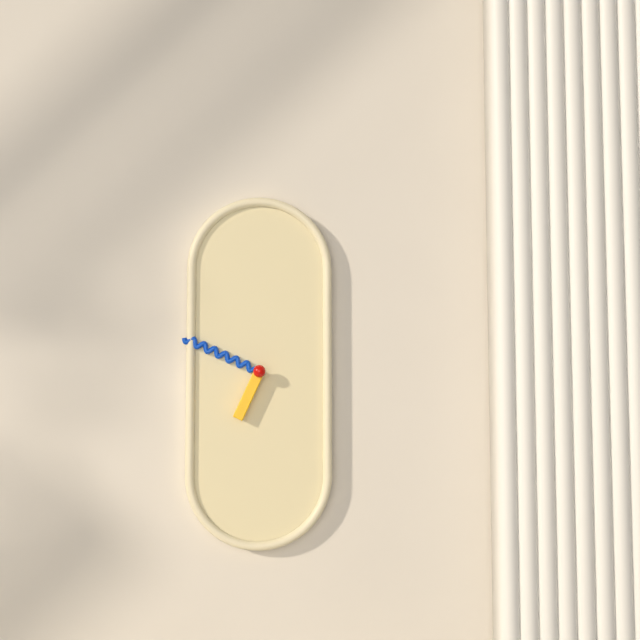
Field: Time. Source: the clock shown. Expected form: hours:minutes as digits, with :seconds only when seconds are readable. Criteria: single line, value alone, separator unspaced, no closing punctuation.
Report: 6:49
